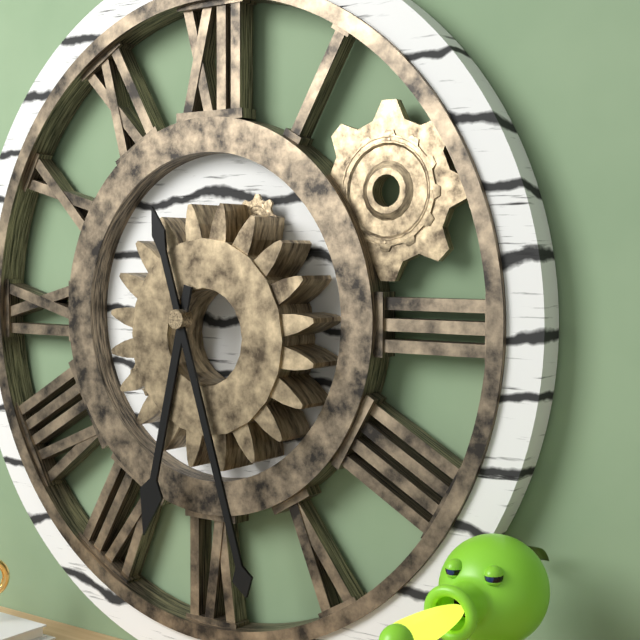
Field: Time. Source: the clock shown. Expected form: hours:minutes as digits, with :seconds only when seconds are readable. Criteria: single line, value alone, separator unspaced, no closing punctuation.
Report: 6:27
